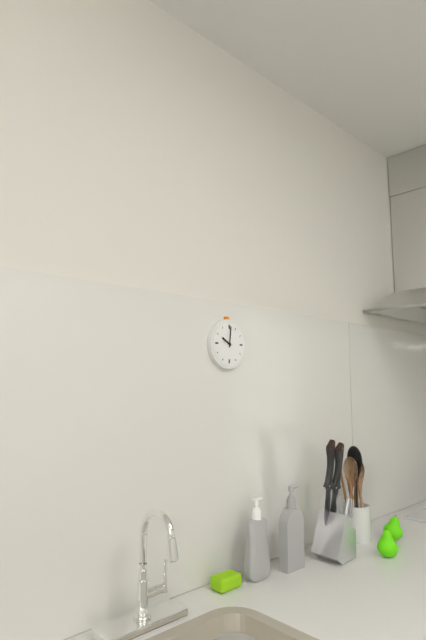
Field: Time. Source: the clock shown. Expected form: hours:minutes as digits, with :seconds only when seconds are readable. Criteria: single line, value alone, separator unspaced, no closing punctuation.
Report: 10:01
